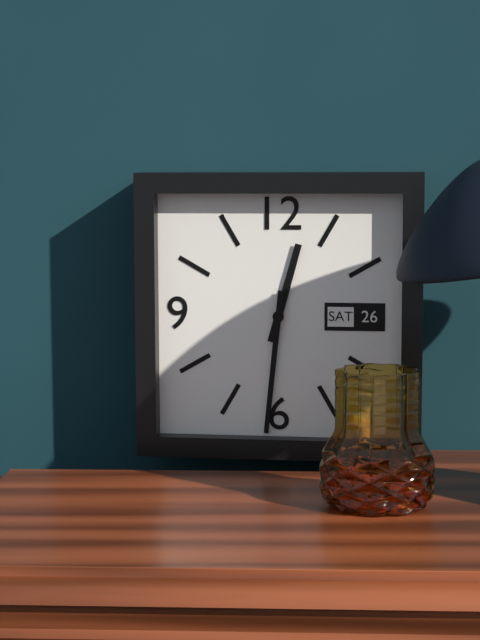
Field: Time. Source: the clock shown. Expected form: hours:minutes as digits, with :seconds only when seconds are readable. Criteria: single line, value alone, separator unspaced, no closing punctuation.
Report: 12:31
